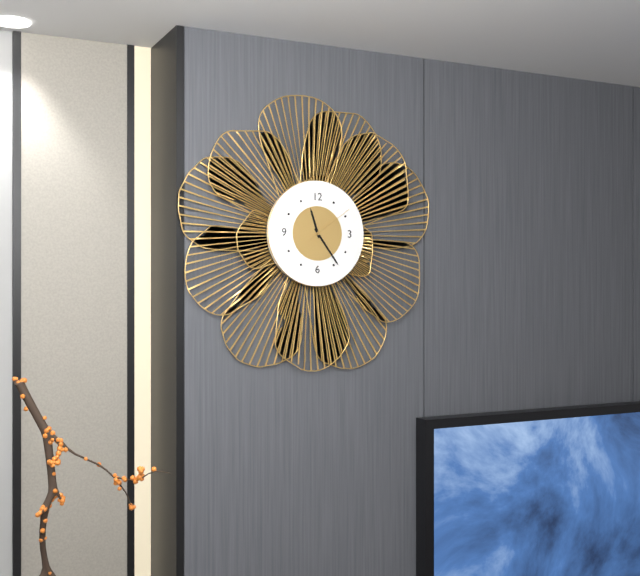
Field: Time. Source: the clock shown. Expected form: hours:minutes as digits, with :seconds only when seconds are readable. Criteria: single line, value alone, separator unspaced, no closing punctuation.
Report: 11:24
